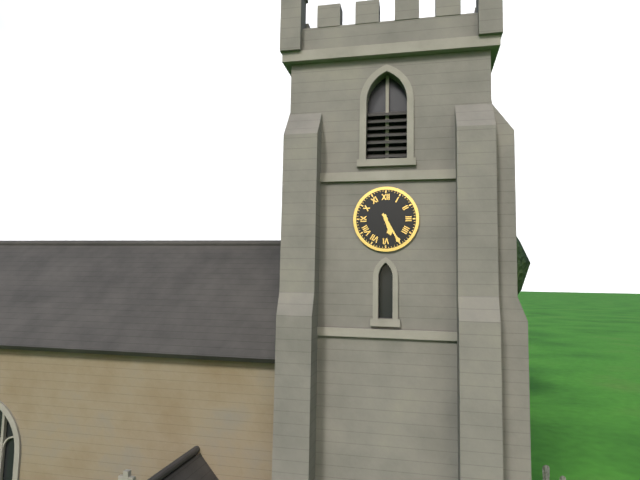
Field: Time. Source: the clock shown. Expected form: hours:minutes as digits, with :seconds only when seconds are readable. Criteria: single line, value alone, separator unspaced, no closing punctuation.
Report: 5:25
